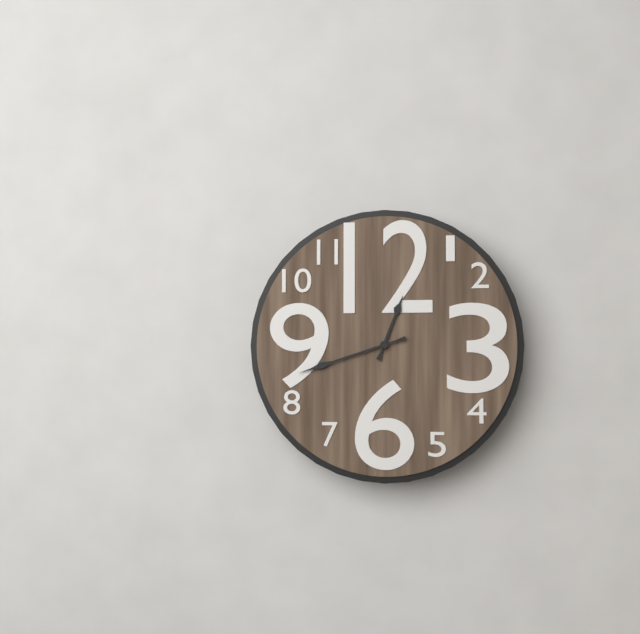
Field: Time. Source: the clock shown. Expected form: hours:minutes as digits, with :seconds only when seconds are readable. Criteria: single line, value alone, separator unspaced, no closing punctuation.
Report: 12:42
